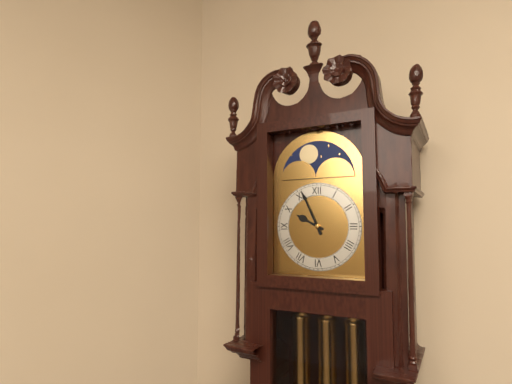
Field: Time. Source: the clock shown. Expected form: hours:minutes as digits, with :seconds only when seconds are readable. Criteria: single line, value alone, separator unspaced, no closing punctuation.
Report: 9:56
